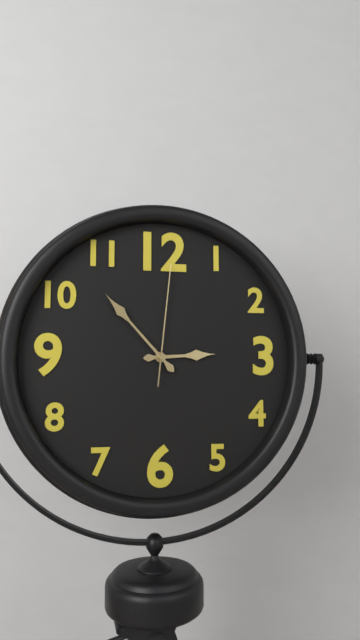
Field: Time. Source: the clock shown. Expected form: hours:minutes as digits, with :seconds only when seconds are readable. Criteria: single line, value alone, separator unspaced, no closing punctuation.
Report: 2:53:01
